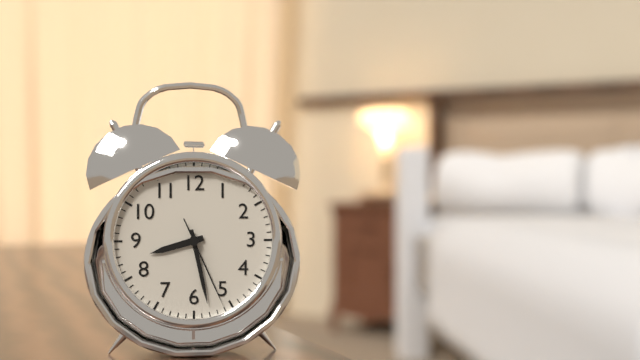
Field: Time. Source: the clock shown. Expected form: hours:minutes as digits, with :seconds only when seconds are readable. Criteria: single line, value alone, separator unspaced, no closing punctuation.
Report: 8:28:26
